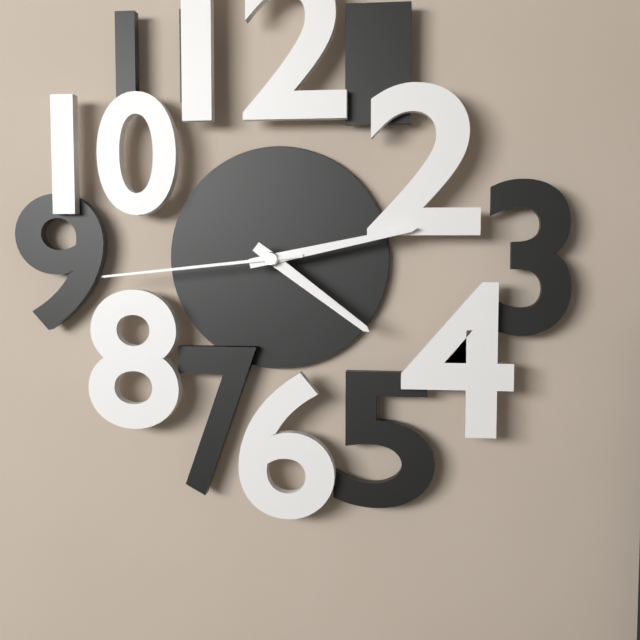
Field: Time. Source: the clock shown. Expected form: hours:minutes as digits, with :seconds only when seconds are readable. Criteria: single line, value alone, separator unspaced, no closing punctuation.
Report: 4:13:44
